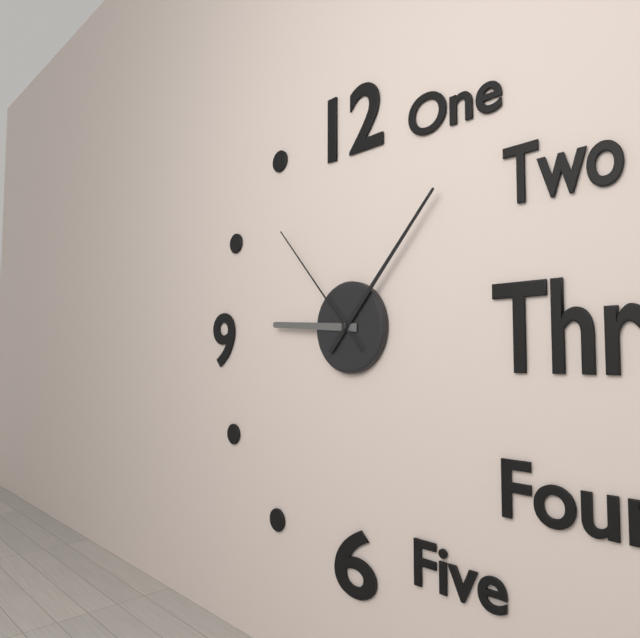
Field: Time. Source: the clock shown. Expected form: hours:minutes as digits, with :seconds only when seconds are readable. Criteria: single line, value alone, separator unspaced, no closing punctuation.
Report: 9:07:53
